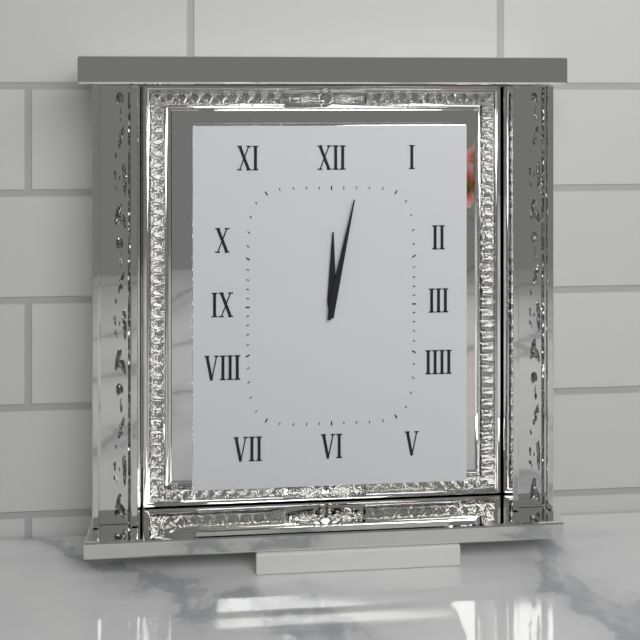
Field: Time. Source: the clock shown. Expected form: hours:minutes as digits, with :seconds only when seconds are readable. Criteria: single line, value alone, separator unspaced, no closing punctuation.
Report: 12:02
